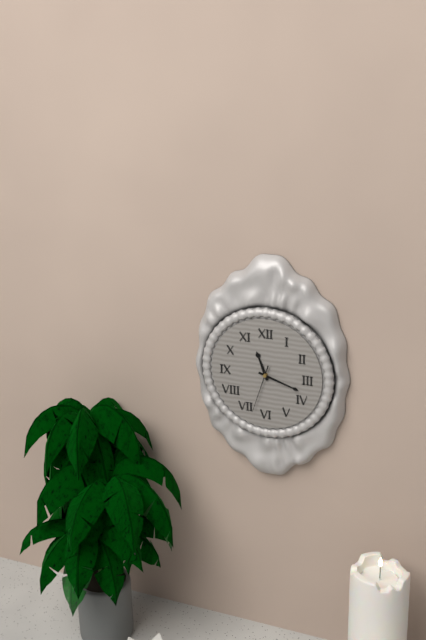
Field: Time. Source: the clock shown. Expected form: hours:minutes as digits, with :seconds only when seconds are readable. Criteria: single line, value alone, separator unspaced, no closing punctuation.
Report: 11:18
